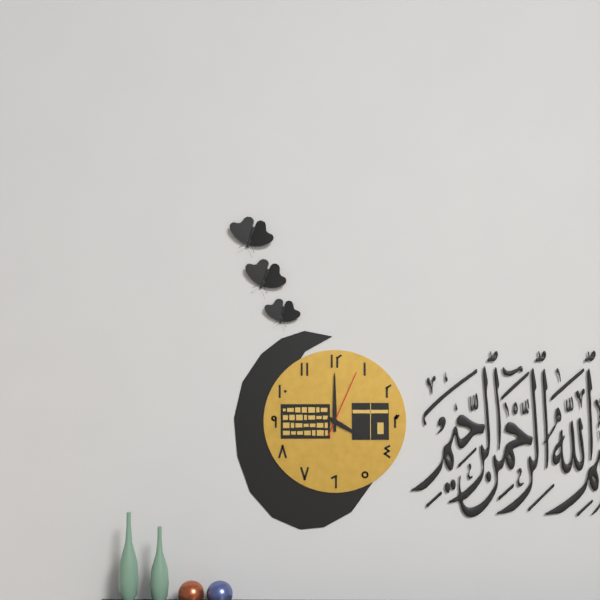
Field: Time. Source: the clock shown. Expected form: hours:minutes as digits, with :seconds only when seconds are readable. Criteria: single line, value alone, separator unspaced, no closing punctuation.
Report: 4:00:04
